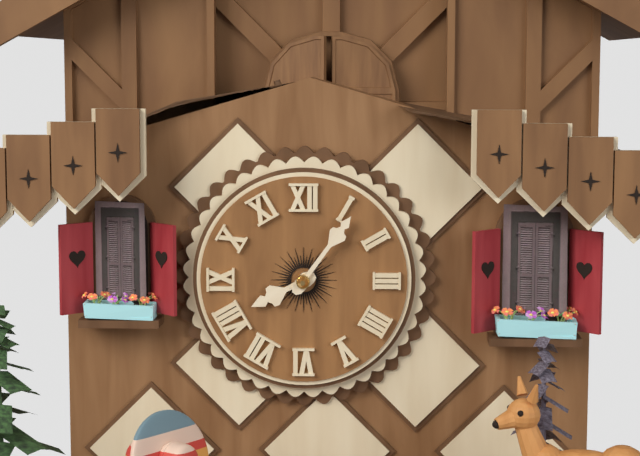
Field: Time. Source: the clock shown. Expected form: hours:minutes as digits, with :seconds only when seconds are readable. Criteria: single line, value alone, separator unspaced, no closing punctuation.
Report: 8:06
